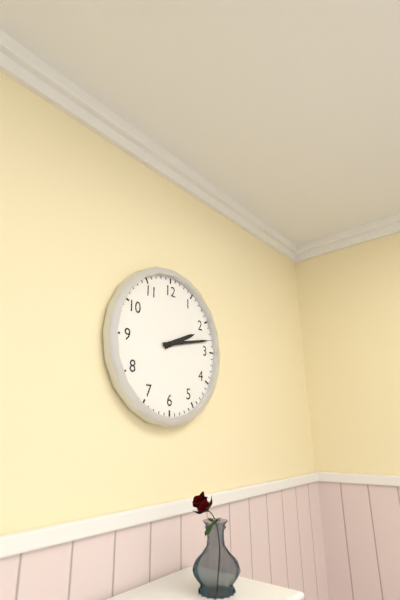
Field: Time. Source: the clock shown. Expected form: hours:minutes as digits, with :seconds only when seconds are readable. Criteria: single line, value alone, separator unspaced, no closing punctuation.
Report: 2:13
